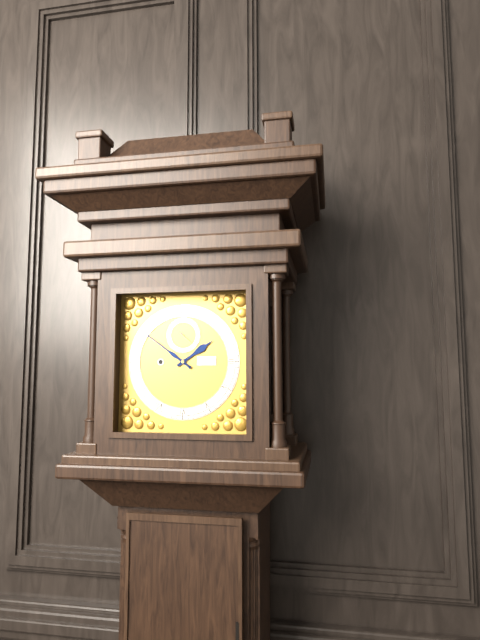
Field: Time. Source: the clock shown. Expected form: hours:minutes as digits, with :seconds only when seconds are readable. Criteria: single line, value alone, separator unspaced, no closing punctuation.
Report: 1:51
